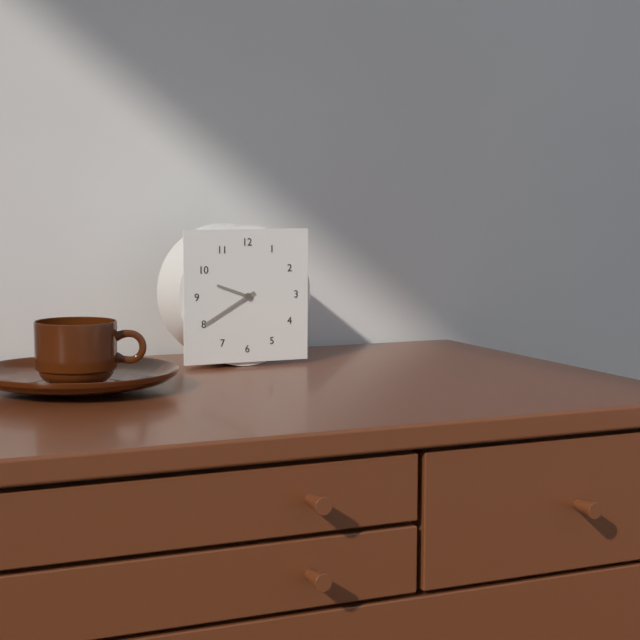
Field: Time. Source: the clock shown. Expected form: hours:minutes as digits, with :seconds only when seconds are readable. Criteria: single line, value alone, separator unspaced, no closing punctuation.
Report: 9:40
